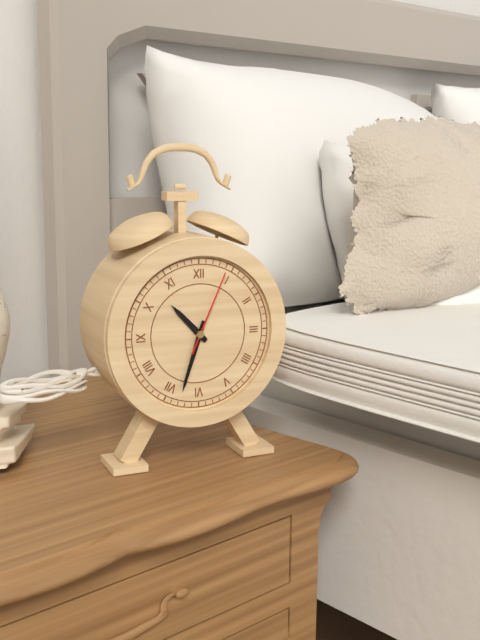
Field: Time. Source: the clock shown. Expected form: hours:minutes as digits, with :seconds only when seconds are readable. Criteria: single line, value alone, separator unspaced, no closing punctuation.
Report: 10:33:04
